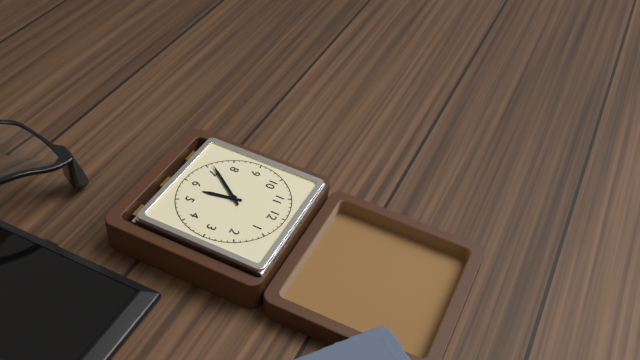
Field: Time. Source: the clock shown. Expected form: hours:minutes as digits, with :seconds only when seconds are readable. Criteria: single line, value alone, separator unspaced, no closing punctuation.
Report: 5:36
